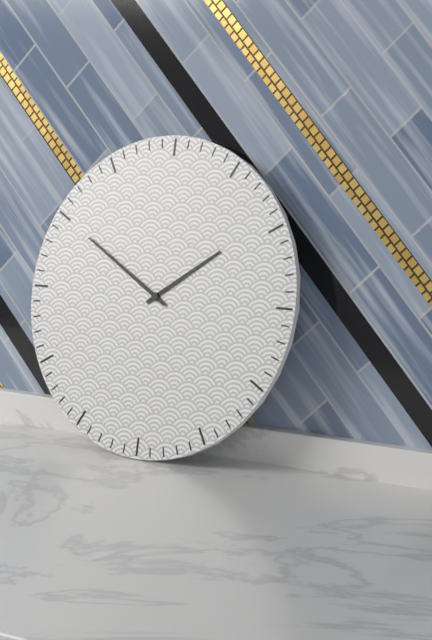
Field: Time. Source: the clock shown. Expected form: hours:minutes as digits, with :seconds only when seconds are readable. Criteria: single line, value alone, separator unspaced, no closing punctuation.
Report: 1:50
